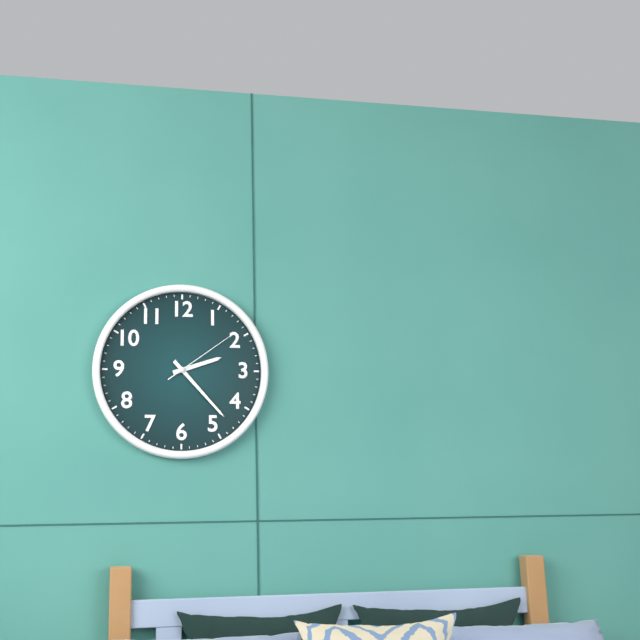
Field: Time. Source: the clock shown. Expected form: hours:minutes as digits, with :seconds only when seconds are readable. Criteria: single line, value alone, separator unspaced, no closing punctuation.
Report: 2:23:09
